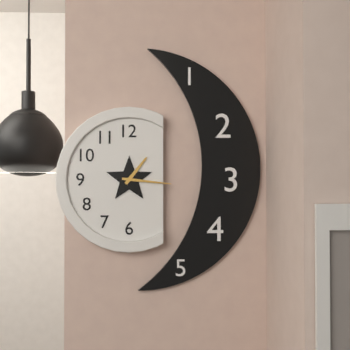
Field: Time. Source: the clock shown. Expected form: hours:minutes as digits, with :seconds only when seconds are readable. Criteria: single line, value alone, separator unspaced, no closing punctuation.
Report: 1:16
